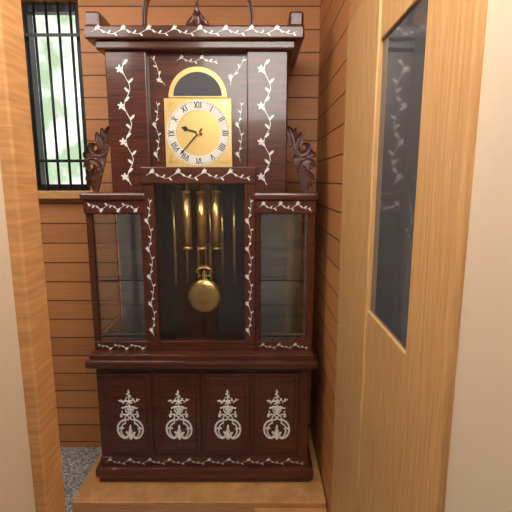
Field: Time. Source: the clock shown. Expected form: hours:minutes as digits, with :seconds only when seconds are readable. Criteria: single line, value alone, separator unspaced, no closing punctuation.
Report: 9:37
